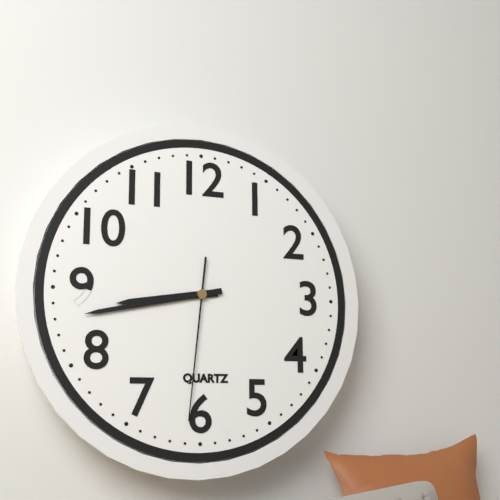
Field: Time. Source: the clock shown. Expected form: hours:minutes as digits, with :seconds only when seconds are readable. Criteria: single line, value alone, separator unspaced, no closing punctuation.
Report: 8:43:31
